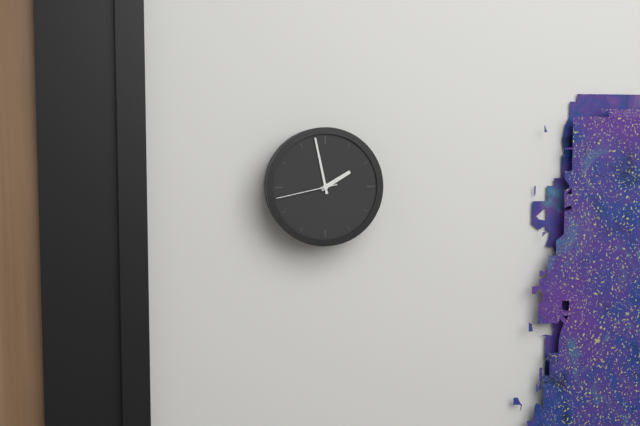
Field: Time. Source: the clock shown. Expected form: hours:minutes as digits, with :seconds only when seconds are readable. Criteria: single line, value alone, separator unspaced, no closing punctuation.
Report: 1:58:43
